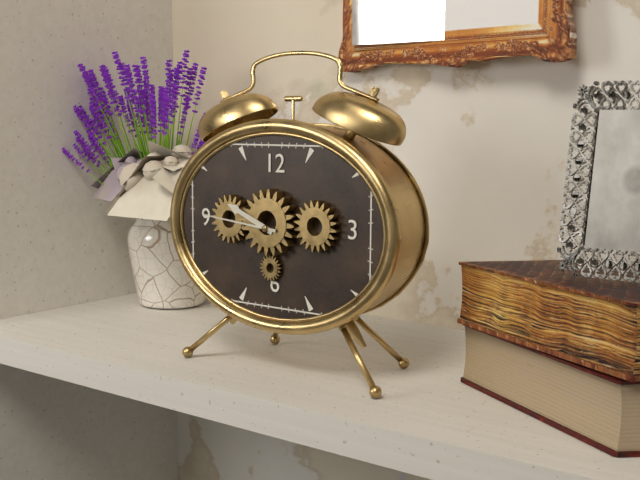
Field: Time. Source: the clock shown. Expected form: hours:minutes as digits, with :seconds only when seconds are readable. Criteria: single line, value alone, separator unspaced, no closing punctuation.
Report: 9:46
